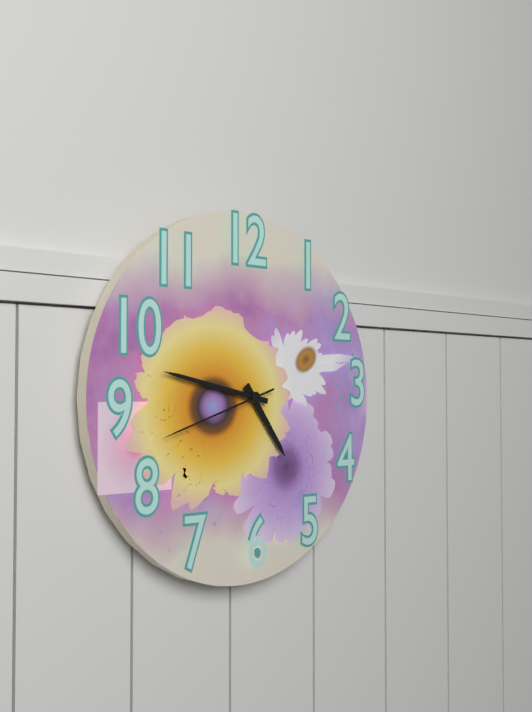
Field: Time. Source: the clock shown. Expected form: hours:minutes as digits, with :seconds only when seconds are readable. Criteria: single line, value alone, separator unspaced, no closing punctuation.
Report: 4:47:42
